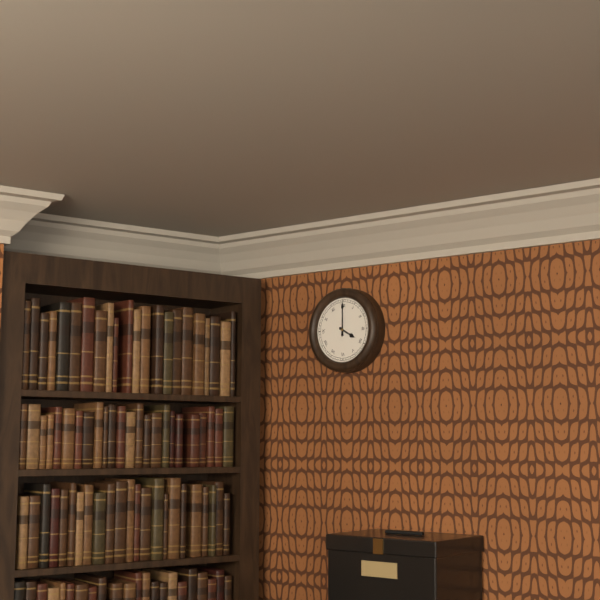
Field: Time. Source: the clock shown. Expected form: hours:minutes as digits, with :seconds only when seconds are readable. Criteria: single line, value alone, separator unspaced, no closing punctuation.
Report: 4:00
